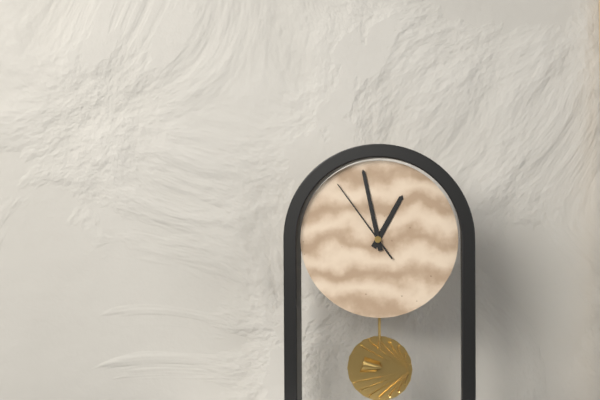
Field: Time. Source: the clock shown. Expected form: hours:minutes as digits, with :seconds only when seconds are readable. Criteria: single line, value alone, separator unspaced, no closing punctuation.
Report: 12:58:54
